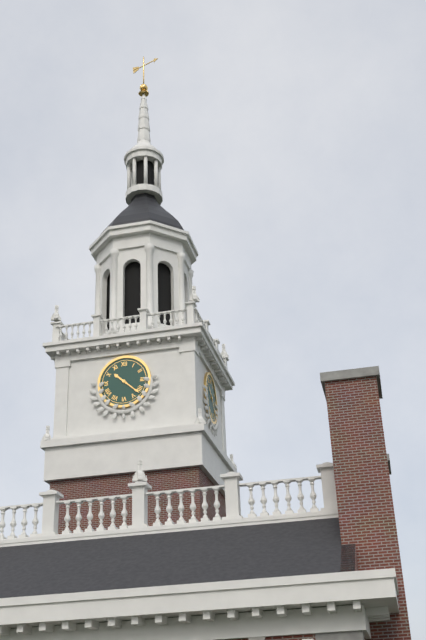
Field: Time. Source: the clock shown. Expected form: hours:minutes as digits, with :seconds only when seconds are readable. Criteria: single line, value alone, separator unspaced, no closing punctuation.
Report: 10:22
